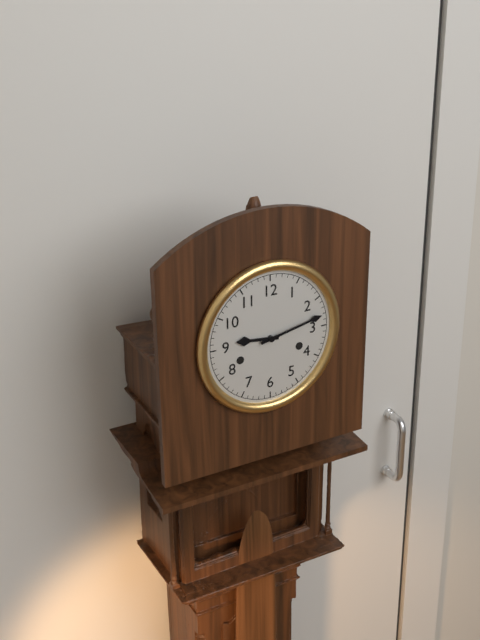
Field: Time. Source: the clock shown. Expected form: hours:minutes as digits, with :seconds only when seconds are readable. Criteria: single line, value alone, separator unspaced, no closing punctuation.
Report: 9:13
